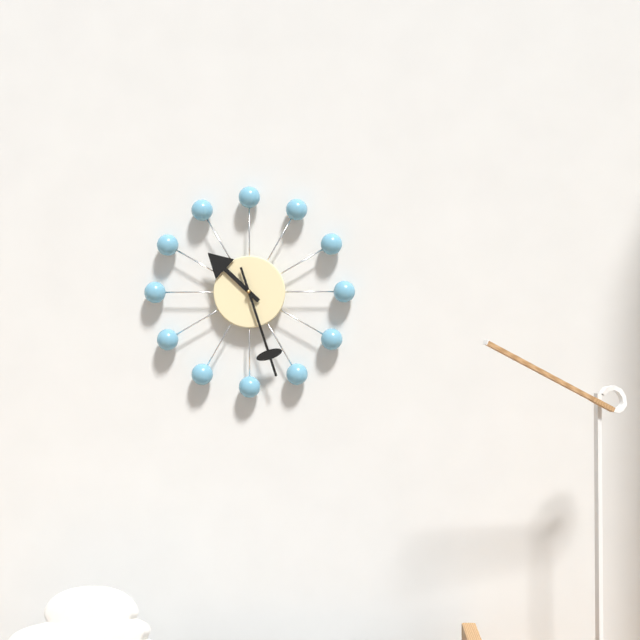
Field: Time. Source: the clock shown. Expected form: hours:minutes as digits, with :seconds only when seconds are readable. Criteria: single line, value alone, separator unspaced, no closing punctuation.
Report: 10:27
